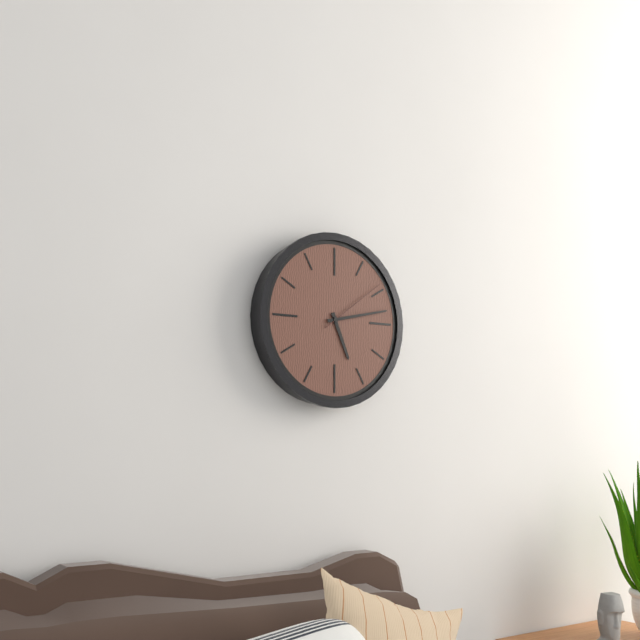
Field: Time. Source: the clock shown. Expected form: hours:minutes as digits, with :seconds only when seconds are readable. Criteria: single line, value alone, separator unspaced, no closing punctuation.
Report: 5:13:09
